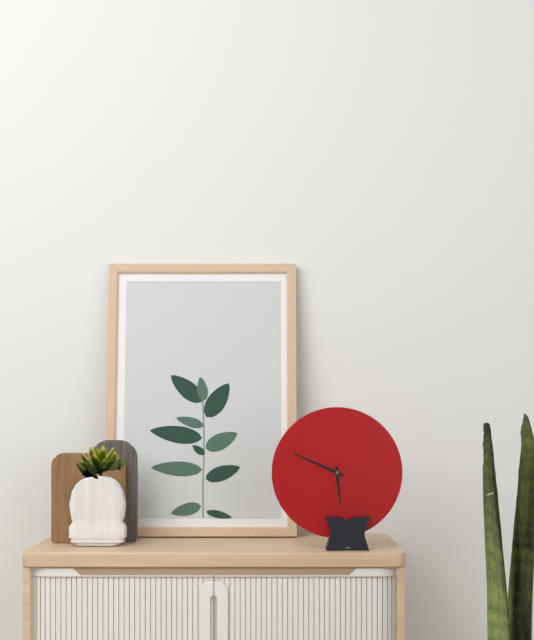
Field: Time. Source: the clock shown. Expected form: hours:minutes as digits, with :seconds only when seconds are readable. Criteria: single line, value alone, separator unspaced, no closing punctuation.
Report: 5:49
